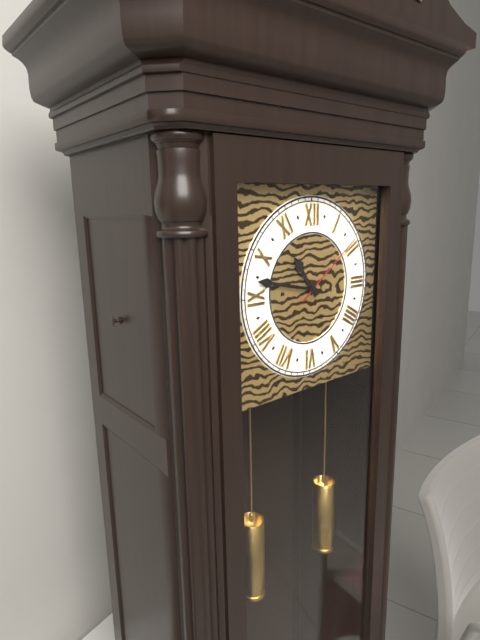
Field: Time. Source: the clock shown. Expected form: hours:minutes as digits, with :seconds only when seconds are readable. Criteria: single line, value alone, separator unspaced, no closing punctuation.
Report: 10:47:09
